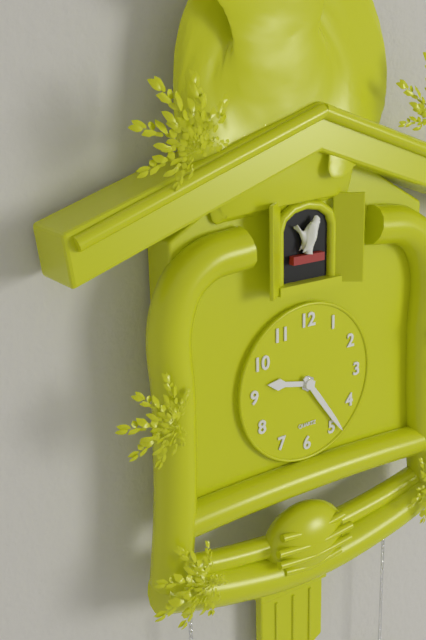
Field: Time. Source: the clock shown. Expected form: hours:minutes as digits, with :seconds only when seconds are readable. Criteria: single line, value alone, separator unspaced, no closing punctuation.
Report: 9:24
